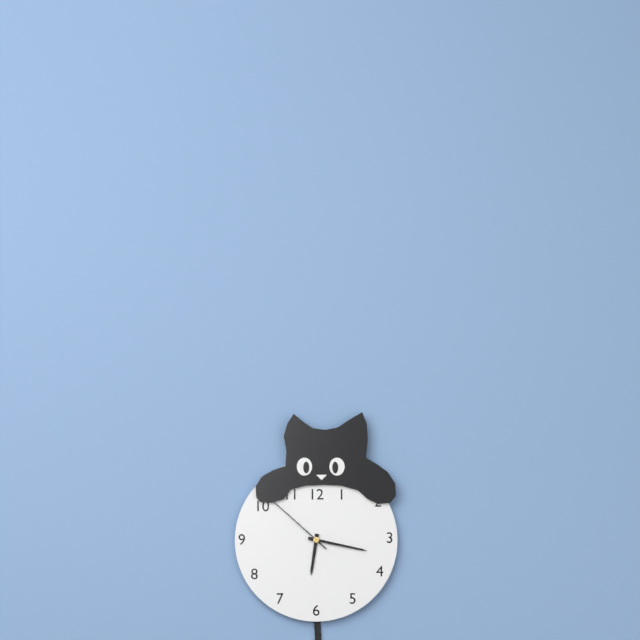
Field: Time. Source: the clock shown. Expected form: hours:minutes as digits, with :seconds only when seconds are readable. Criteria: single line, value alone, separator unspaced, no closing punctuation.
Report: 6:17:52
